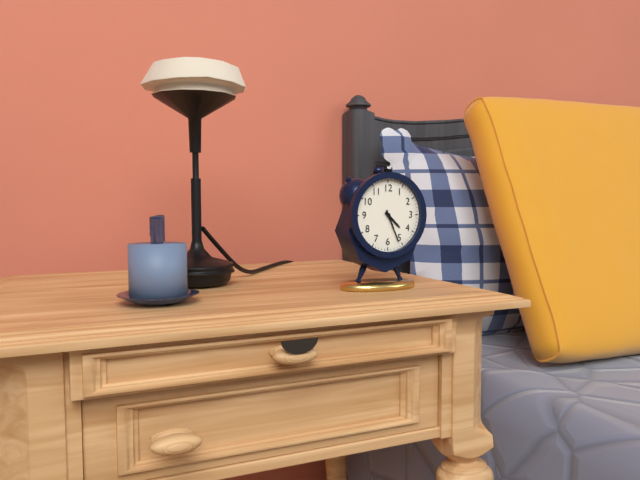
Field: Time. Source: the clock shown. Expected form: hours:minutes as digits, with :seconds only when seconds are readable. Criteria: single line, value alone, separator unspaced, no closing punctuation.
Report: 4:26
